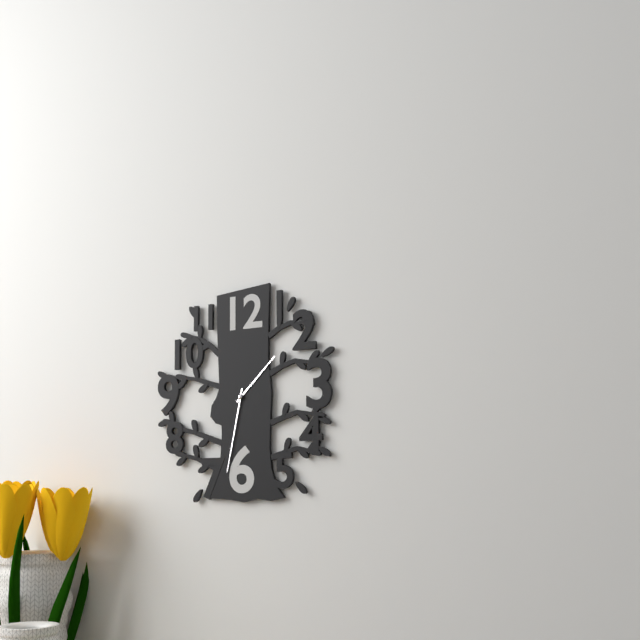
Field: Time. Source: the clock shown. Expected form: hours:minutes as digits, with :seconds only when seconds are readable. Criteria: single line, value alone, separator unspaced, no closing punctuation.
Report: 1:32
